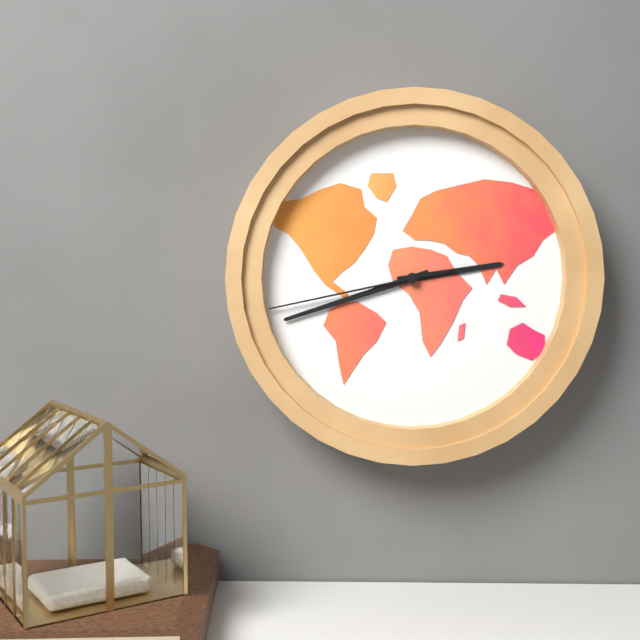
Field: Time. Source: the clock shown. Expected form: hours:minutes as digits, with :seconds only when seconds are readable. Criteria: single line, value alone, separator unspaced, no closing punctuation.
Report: 2:42:43
